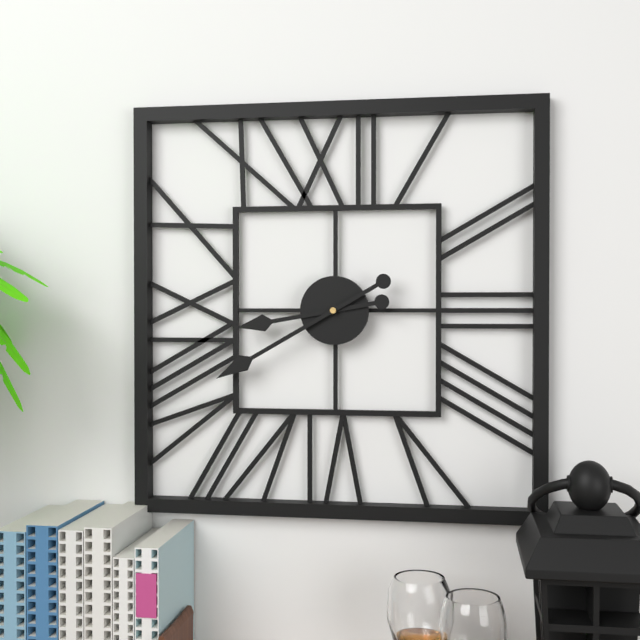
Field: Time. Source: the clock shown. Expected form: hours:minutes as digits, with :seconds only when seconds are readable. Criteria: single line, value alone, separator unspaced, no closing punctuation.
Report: 8:40
